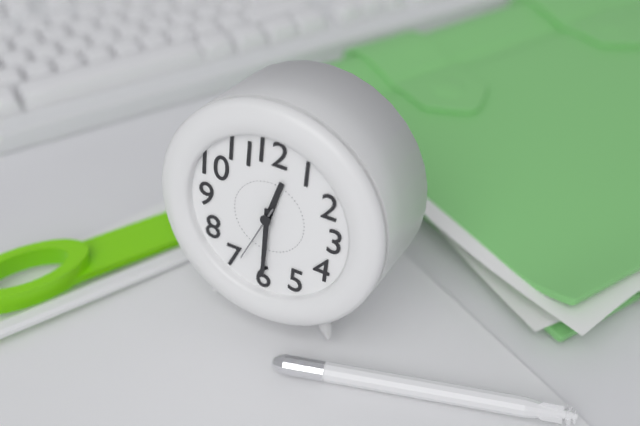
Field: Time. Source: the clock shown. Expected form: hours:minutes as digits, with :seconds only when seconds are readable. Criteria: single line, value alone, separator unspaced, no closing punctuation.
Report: 12:30:34
